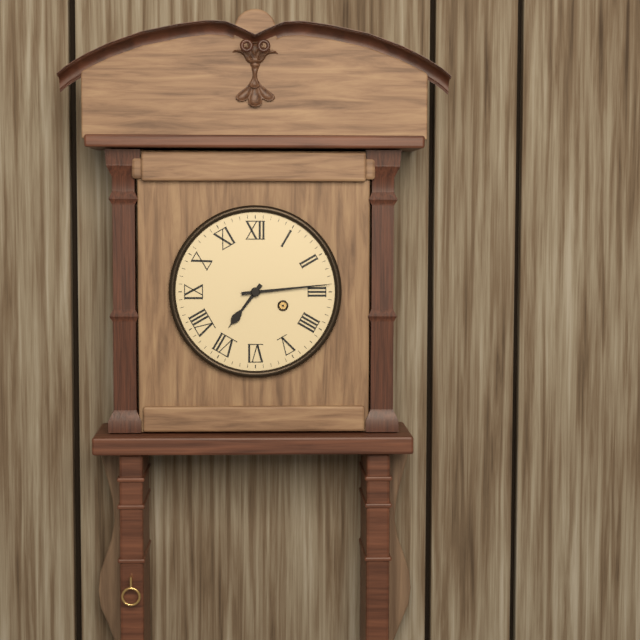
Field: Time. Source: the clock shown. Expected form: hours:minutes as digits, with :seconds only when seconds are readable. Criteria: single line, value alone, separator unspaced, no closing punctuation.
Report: 7:14
